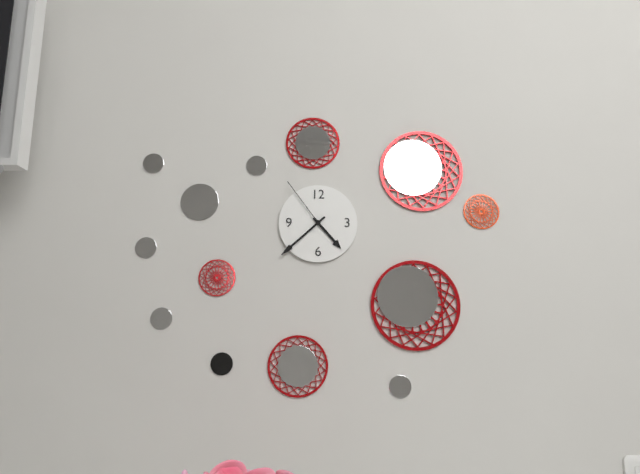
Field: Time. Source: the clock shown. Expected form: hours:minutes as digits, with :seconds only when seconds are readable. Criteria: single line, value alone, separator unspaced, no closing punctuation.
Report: 4:38:54
